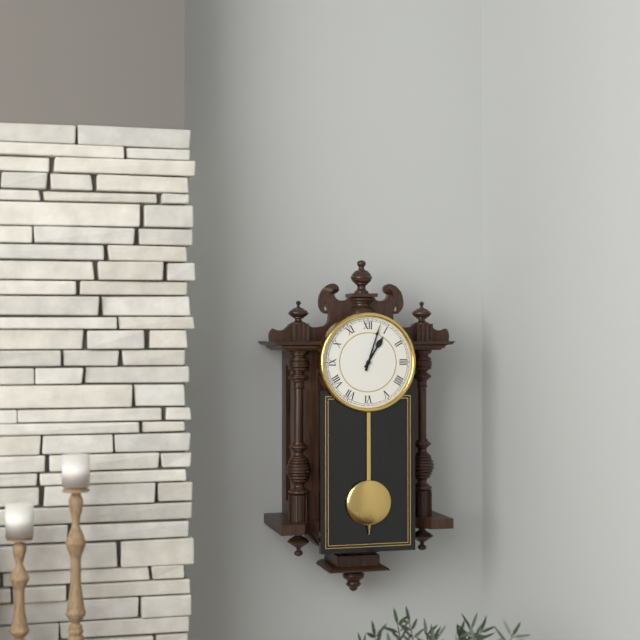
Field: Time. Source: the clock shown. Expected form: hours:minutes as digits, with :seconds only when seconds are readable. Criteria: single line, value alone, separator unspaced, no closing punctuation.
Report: 1:03
